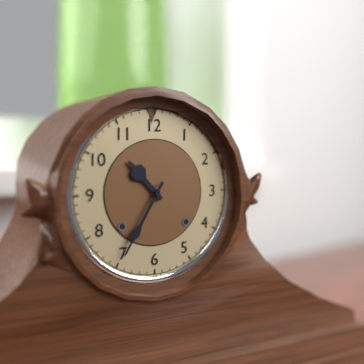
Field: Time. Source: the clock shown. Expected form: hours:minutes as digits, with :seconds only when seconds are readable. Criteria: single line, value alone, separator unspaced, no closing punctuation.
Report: 10:35
